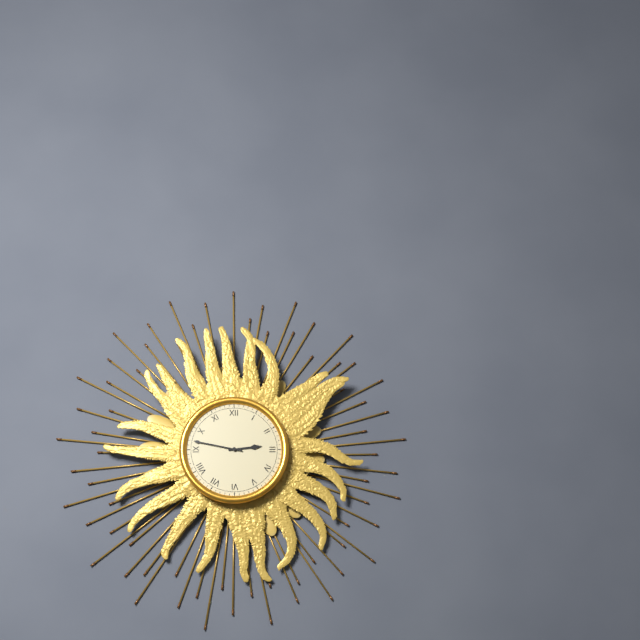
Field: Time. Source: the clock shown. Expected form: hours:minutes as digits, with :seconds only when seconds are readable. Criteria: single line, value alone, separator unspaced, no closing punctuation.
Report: 2:47
